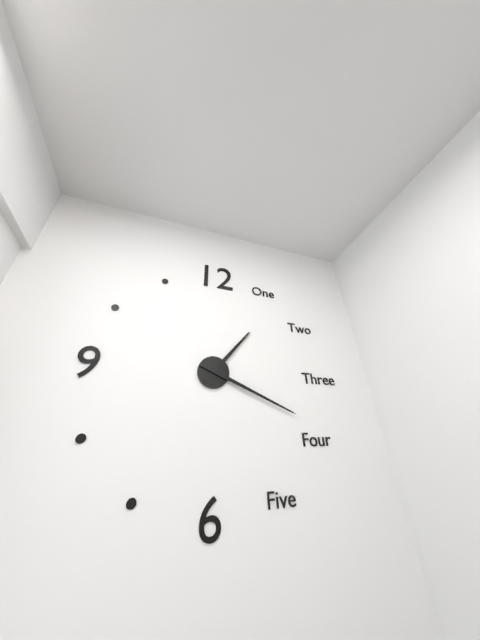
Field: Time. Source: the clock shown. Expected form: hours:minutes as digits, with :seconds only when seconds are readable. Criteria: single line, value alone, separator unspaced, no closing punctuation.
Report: 1:19
